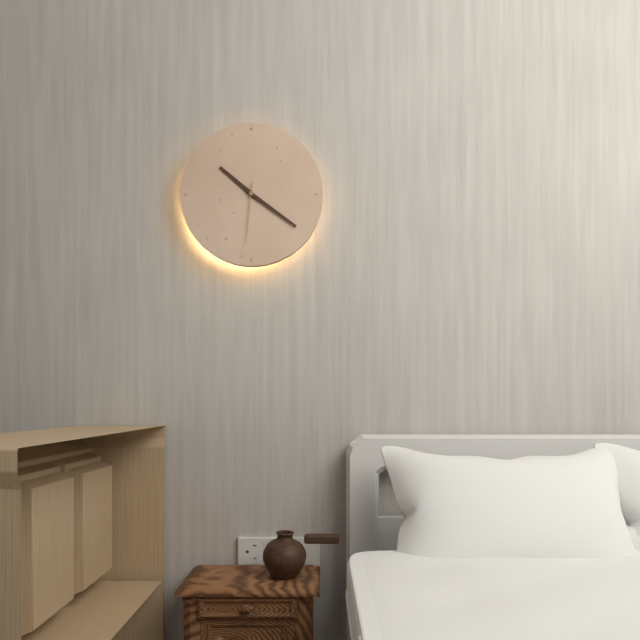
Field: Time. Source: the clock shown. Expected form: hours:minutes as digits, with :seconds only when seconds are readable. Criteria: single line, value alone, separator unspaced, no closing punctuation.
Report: 10:21:31
